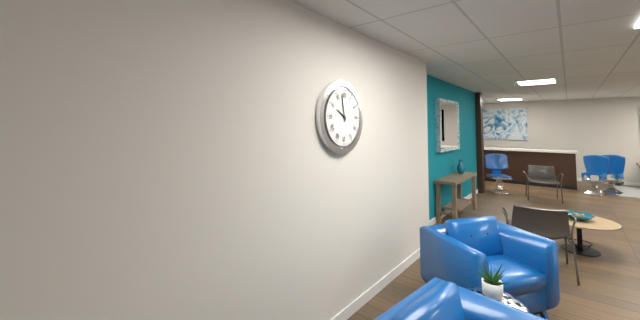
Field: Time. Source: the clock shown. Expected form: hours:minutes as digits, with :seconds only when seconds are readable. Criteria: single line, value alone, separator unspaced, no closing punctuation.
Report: 9:58
